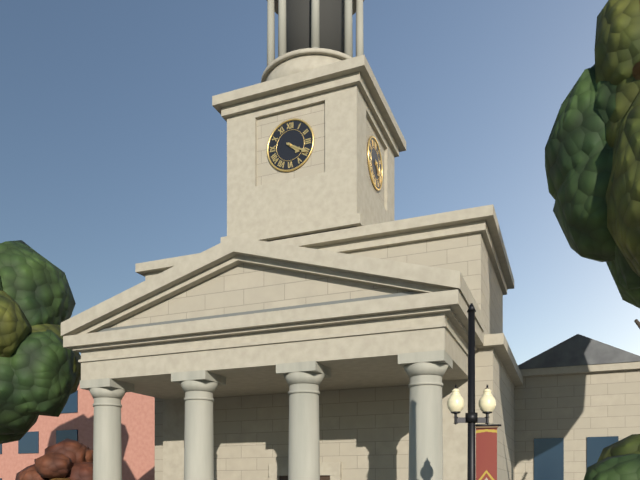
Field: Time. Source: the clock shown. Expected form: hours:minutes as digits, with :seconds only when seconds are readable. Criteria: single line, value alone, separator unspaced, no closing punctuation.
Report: 4:20
